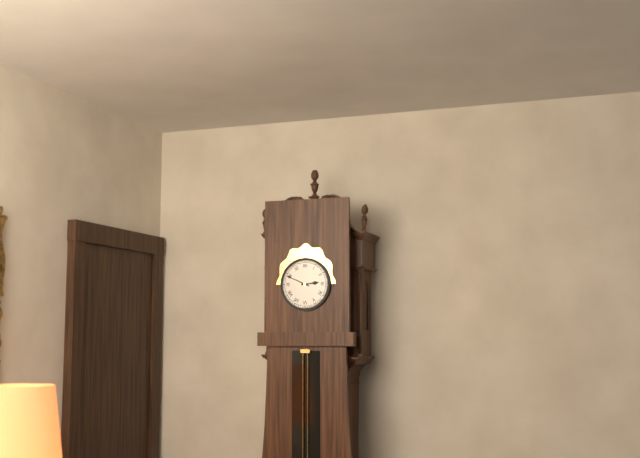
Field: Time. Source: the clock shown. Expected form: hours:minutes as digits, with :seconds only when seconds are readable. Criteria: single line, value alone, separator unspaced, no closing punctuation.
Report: 2:49
